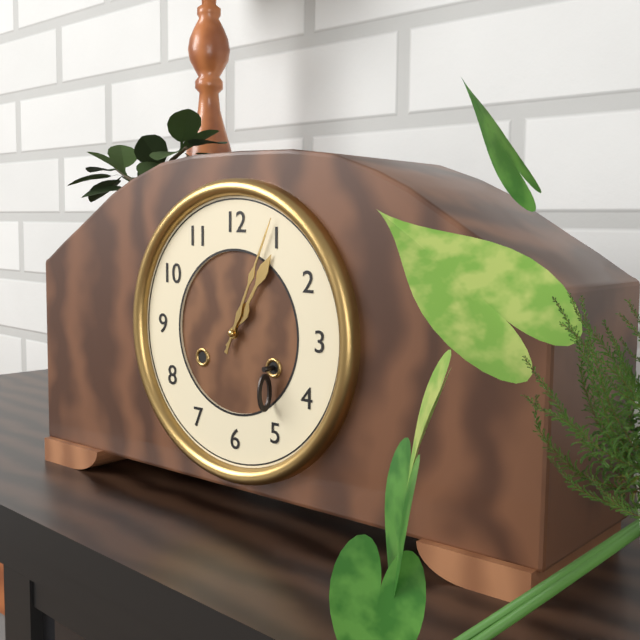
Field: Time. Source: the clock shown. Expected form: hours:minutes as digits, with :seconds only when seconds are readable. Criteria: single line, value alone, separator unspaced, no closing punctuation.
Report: 1:04
